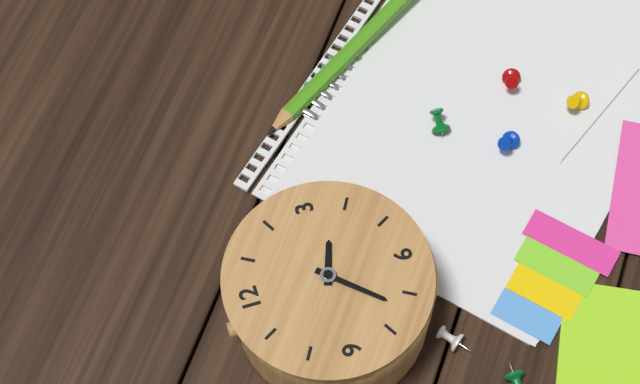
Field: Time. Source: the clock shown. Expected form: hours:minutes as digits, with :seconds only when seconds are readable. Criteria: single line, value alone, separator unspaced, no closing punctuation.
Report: 3:37
